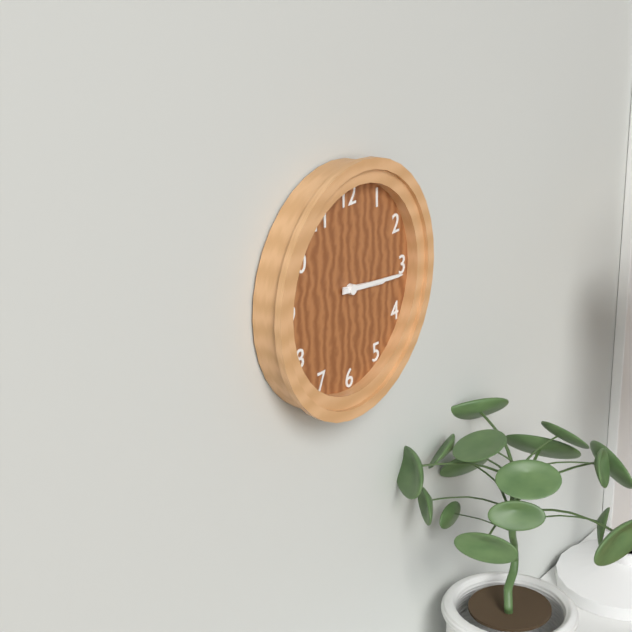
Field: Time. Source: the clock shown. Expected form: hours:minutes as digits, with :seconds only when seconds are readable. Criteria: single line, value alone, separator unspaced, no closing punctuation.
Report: 3:16
